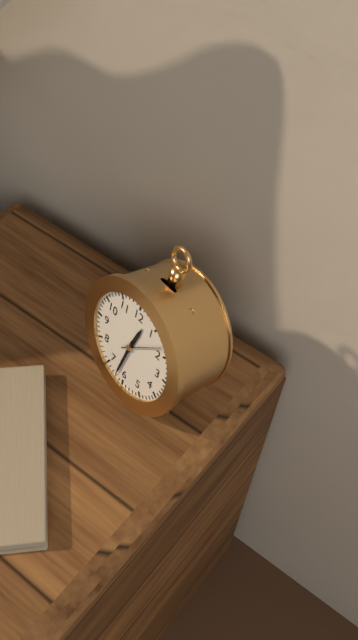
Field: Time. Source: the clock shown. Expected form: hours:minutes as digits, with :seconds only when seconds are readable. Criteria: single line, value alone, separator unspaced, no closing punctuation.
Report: 12:32
